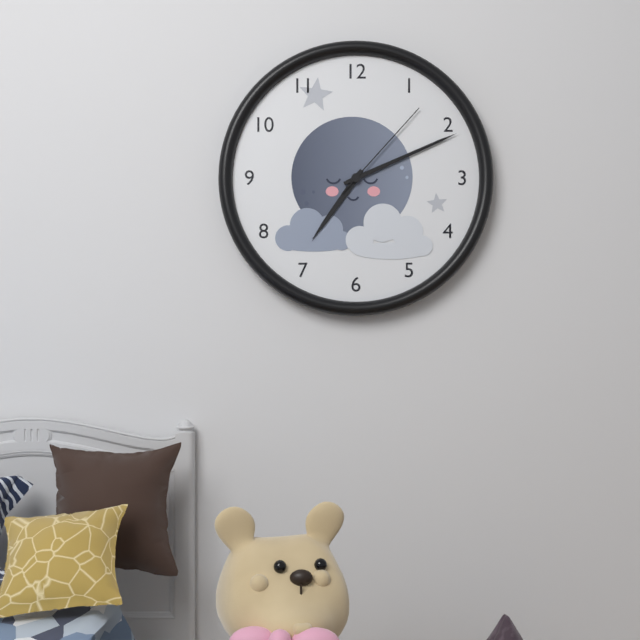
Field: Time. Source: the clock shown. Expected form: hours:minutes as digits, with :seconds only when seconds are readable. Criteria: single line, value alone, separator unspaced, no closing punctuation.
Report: 7:11:07
